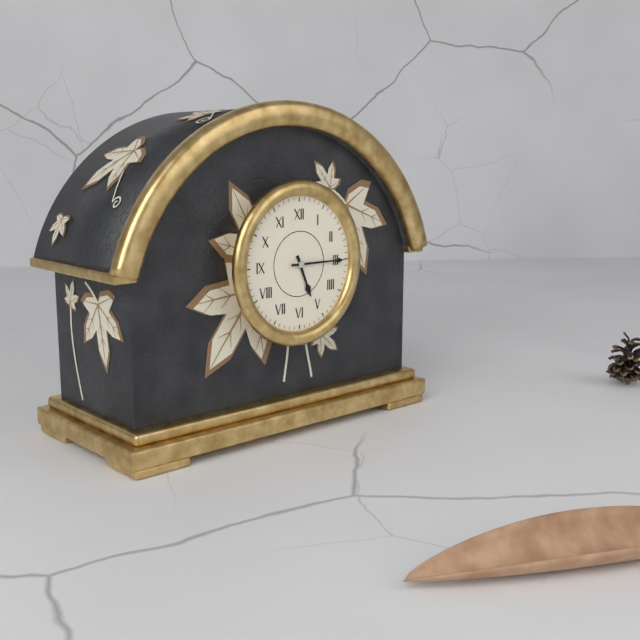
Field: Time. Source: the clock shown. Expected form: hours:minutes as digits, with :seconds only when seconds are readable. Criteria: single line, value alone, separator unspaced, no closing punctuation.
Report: 5:15
